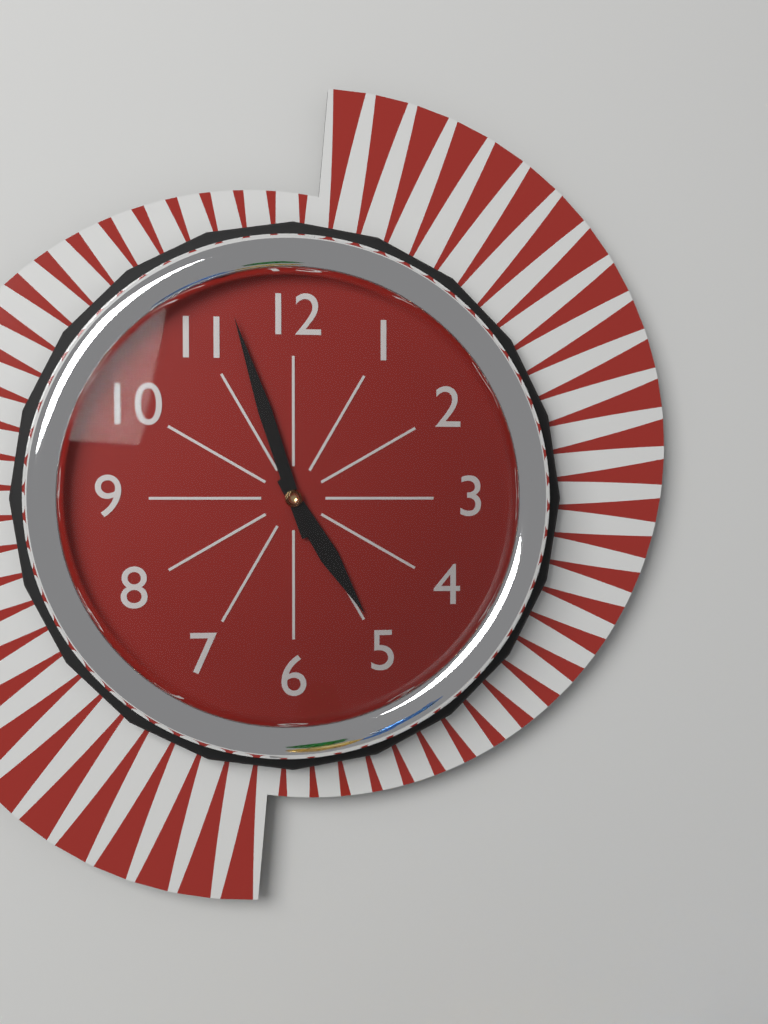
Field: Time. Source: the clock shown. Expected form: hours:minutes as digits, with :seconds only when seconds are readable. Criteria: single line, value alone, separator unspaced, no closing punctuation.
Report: 4:57
